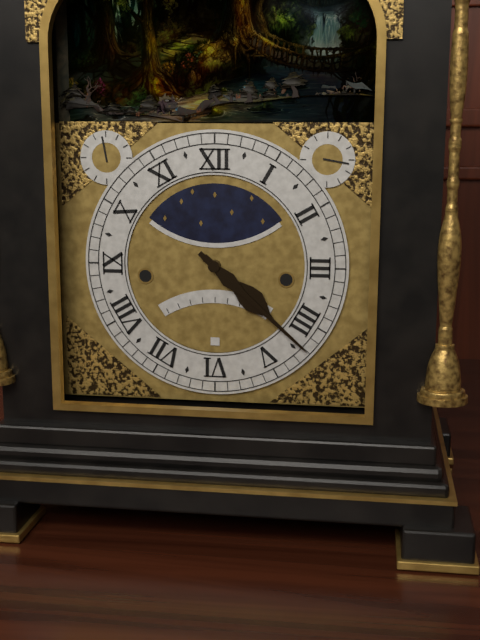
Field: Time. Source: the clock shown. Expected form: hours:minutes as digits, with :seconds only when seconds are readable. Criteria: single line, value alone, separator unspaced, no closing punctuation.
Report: 4:22
